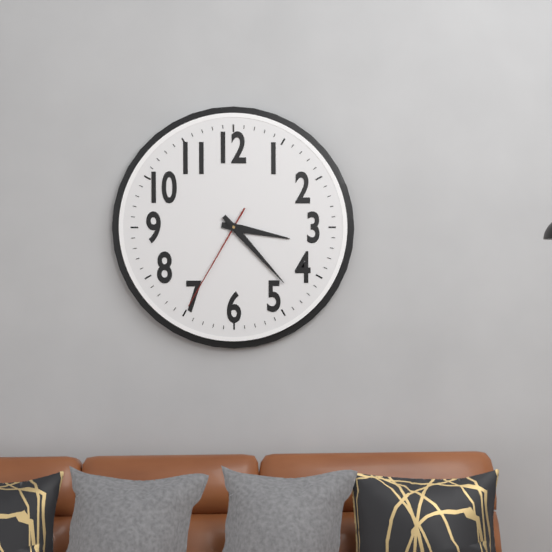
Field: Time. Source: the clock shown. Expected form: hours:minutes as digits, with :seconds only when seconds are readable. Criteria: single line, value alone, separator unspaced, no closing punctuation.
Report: 3:23:35
